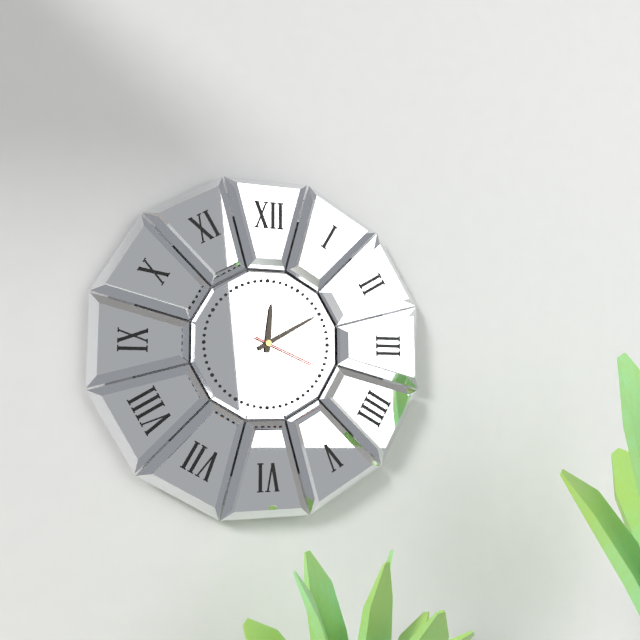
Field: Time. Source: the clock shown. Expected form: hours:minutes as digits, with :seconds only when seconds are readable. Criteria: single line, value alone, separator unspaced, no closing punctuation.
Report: 12:10:19
